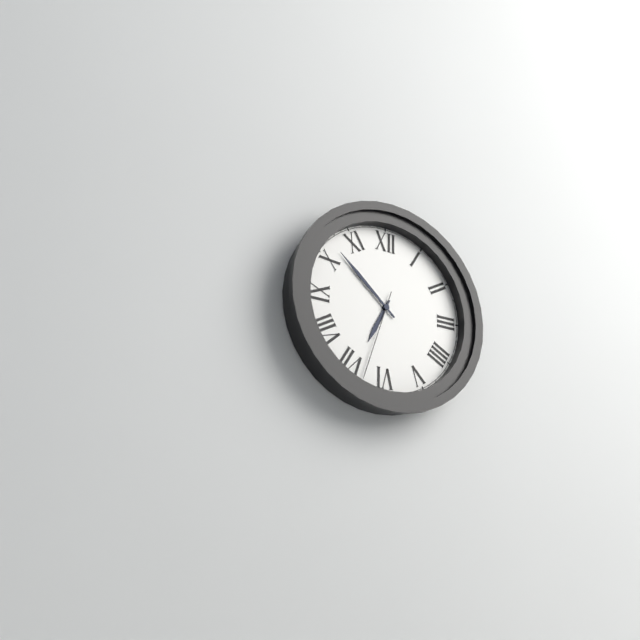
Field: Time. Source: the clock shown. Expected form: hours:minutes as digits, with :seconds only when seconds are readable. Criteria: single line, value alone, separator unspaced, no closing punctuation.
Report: 6:52:33
